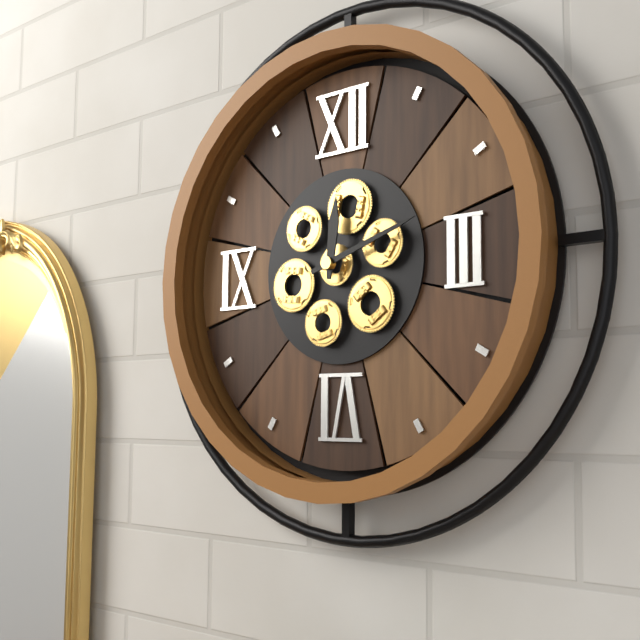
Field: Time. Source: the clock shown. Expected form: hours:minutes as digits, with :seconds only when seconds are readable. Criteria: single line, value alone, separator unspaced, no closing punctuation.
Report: 12:12
